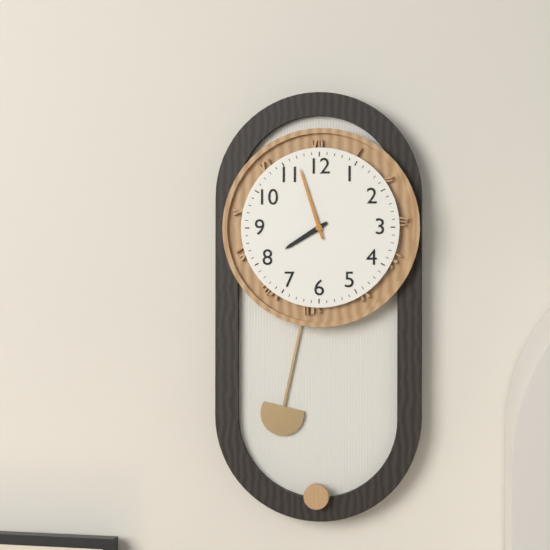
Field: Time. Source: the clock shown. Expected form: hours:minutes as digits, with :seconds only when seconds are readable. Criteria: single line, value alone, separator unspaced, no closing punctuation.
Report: 7:57
